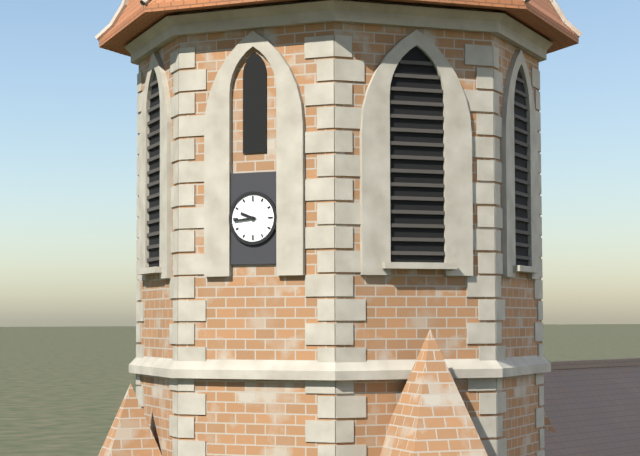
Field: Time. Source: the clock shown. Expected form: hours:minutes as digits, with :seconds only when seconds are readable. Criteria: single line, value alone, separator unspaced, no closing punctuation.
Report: 9:44
